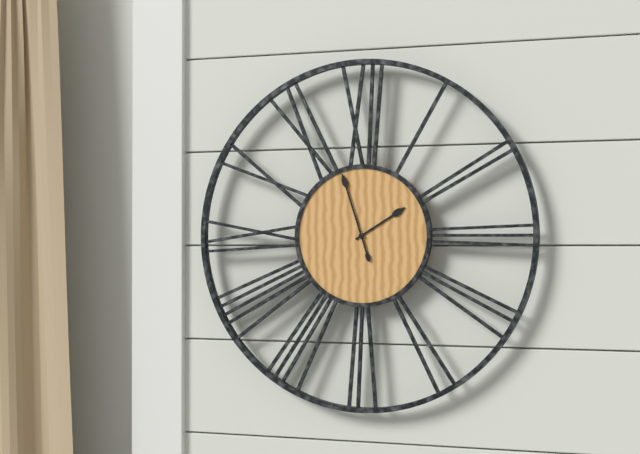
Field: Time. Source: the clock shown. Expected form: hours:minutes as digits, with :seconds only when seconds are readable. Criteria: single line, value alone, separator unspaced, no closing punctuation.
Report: 1:57
